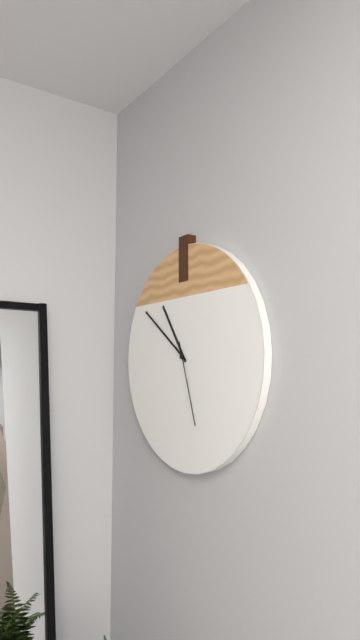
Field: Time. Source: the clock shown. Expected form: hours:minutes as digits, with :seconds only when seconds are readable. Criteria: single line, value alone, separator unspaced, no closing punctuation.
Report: 10:51:27
